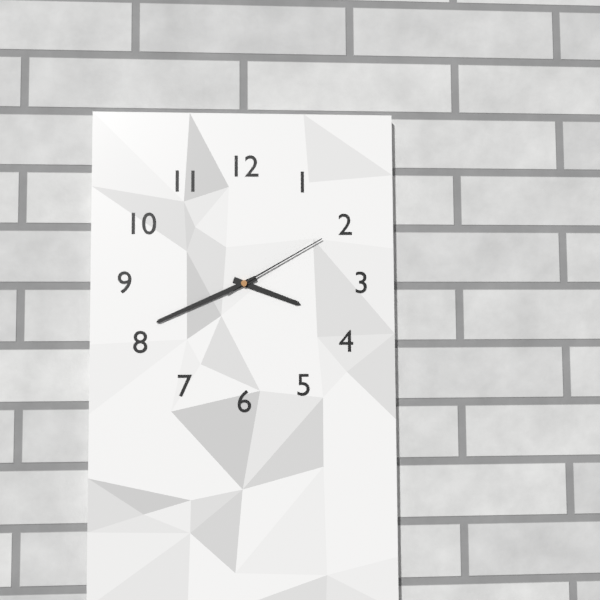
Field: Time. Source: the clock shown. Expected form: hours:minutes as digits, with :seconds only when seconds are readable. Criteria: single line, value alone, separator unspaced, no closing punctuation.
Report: 3:41:10
